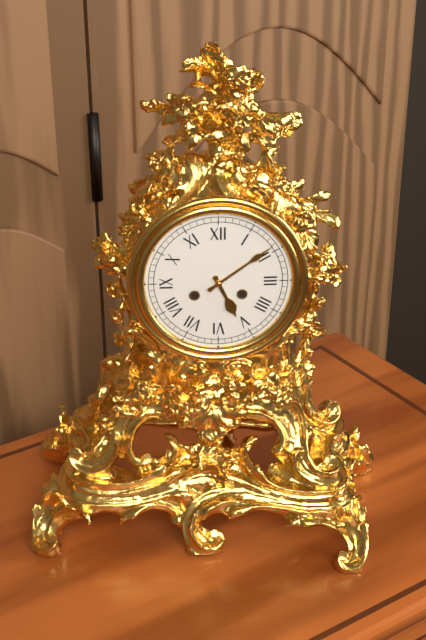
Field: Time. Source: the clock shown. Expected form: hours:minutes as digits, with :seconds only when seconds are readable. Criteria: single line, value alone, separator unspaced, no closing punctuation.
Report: 5:09
